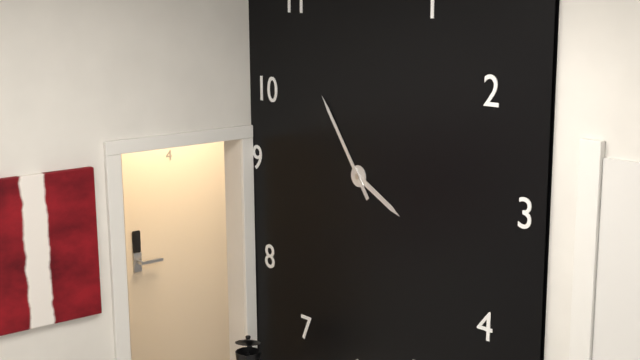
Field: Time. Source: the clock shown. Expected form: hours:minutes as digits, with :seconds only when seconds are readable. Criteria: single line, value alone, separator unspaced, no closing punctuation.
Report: 3:54
